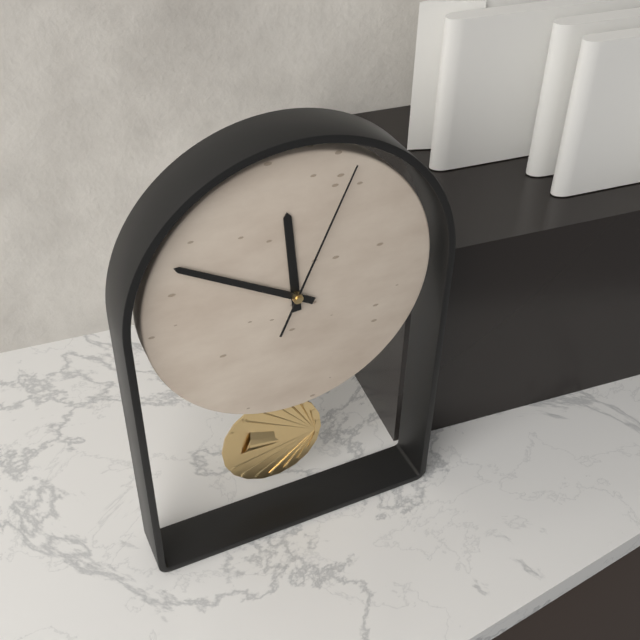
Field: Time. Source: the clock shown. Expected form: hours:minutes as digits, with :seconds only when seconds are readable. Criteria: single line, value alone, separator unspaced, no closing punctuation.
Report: 11:50:04
